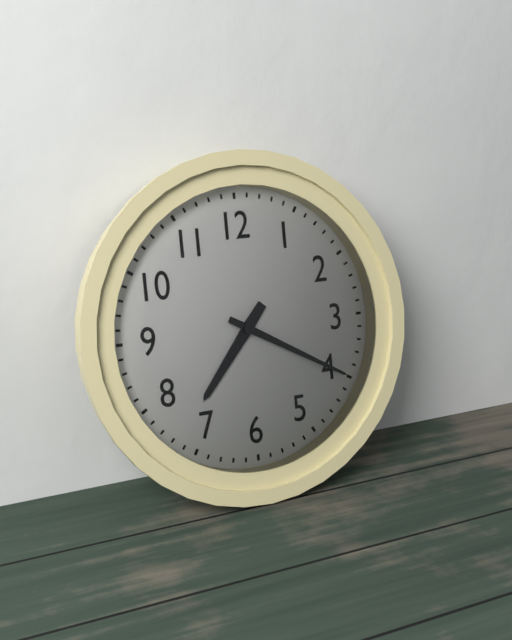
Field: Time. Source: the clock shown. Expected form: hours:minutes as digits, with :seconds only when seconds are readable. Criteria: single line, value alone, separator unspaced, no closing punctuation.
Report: 7:20
